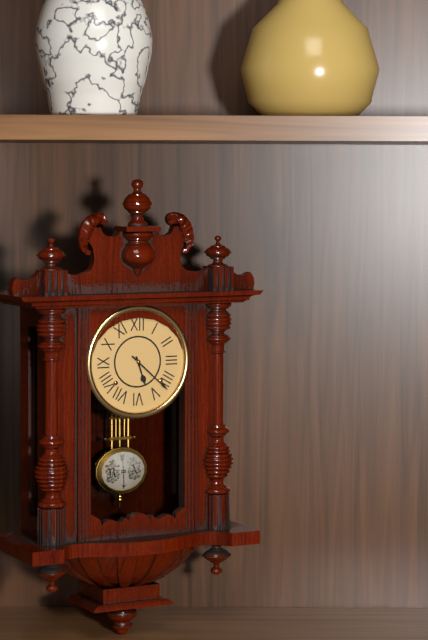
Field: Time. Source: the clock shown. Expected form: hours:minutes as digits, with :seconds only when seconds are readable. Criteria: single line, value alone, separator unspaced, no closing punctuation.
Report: 5:22
